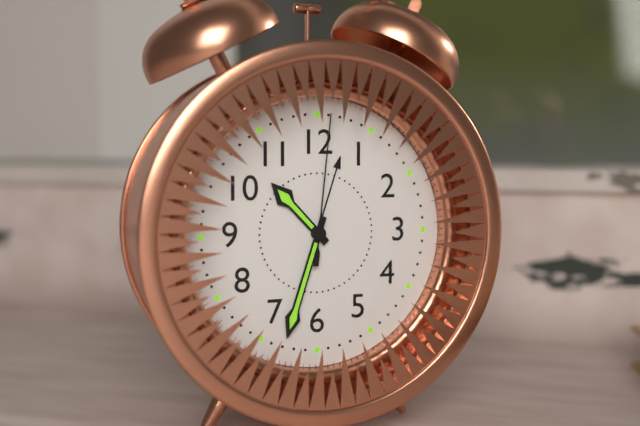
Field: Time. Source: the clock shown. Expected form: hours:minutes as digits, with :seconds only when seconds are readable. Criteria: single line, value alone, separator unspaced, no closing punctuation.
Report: 10:33:01
